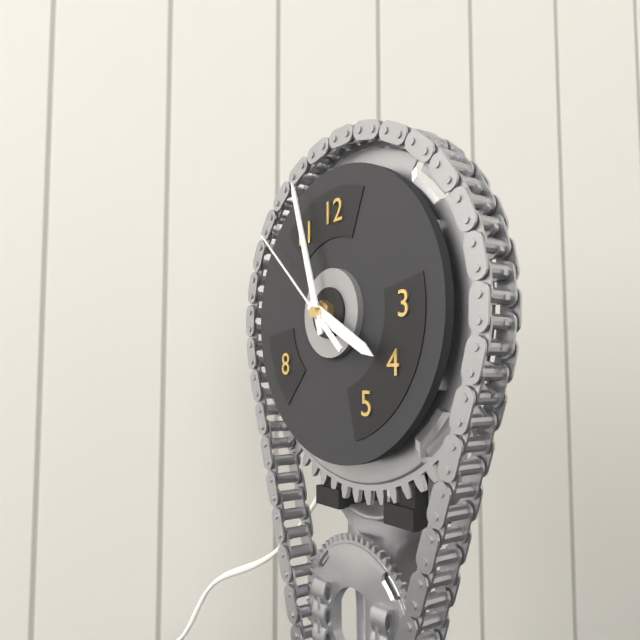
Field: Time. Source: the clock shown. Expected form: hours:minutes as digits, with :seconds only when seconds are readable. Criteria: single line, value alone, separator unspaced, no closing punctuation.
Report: 3:57:52
